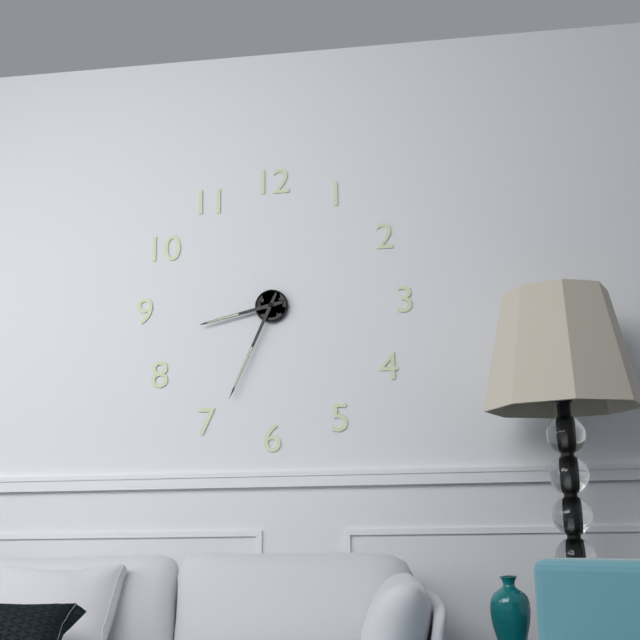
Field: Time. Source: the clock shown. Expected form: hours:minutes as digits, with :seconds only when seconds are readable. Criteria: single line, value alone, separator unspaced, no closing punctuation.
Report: 8:34
